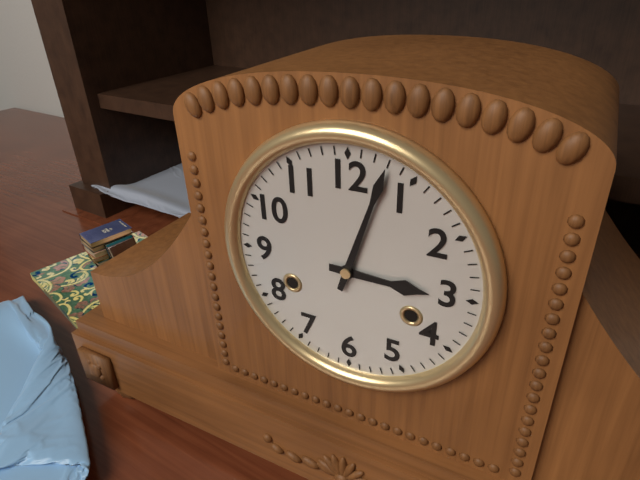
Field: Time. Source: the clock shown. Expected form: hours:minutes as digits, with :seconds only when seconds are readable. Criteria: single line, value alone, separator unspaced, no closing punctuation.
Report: 3:03
